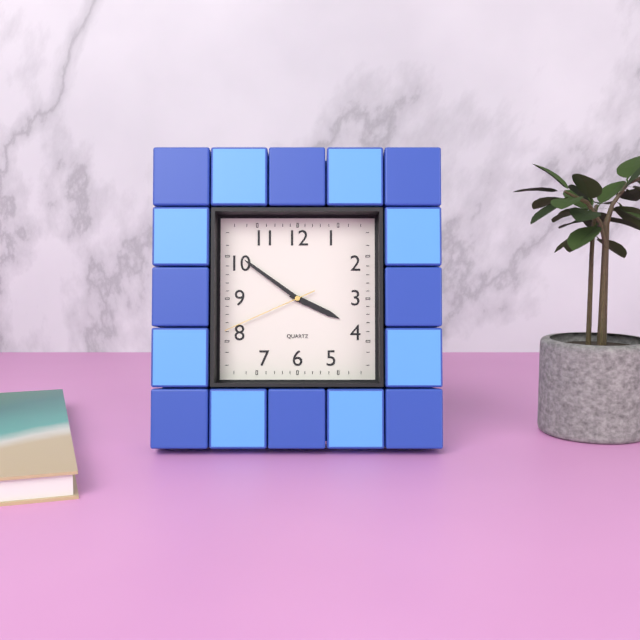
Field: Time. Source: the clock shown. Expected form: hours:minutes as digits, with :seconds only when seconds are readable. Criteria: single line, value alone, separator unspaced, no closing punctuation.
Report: 3:51:41
